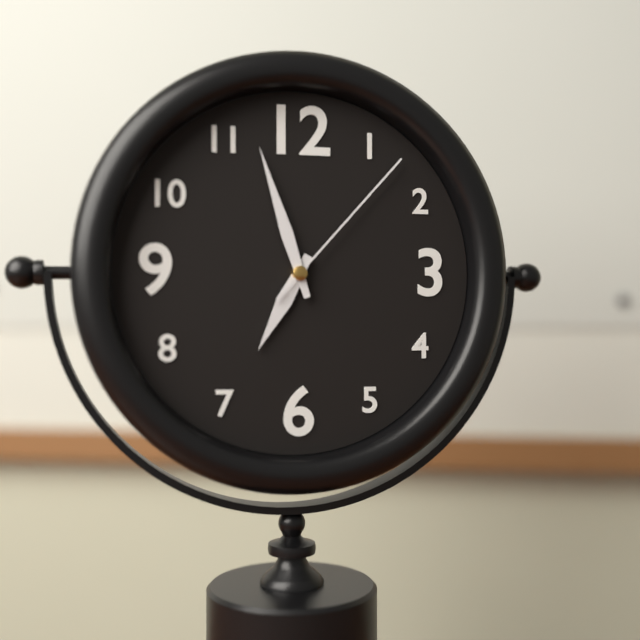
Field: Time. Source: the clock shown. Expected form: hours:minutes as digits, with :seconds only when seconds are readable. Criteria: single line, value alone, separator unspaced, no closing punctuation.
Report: 6:57:07
